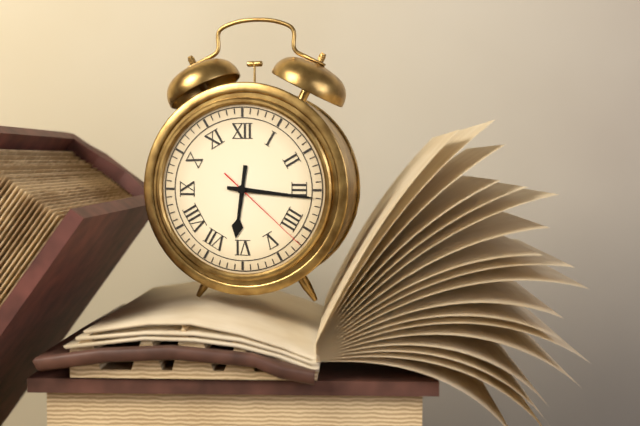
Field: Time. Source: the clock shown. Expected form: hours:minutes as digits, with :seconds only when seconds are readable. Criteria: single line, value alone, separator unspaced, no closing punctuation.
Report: 6:16:22
